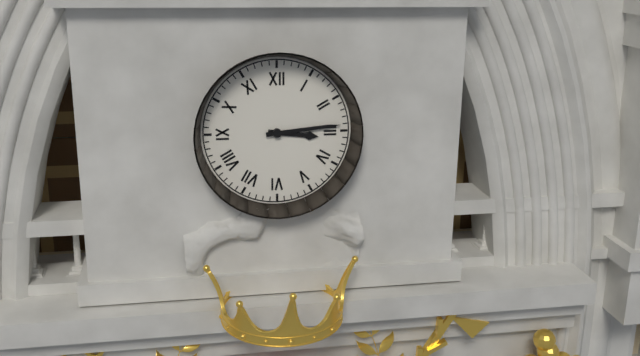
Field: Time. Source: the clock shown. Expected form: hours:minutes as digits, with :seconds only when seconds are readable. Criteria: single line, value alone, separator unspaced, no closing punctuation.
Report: 3:14
